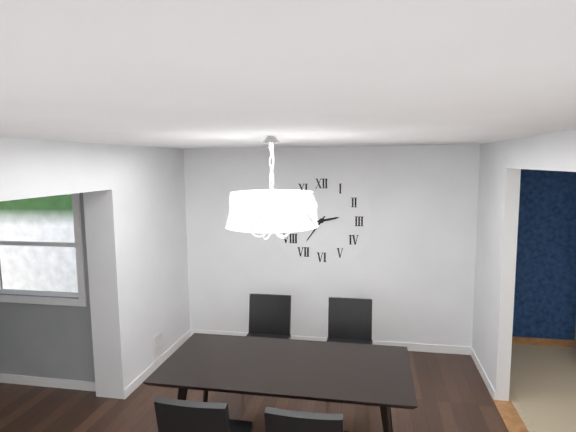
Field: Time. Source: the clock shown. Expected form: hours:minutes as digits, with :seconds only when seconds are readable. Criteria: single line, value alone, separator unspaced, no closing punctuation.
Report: 2:36
